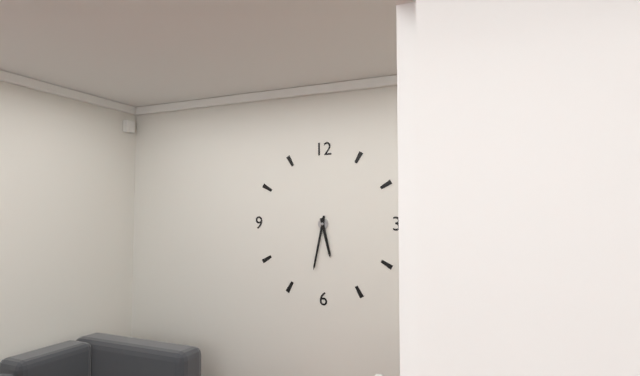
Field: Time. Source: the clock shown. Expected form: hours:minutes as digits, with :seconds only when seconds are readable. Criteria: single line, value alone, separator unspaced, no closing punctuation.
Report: 5:32
